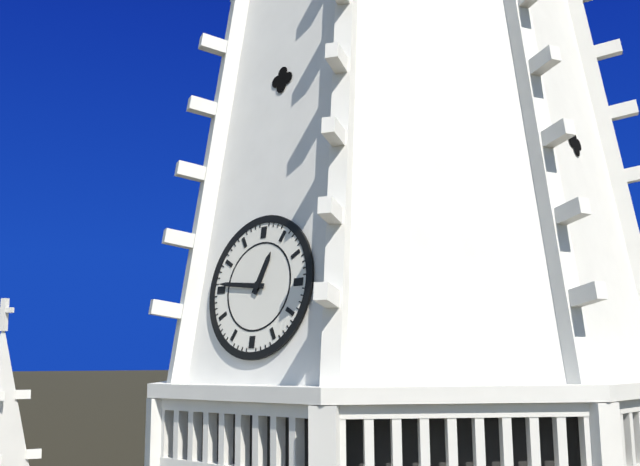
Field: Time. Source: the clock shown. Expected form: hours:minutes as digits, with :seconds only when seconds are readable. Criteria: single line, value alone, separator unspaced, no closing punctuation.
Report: 12:46
